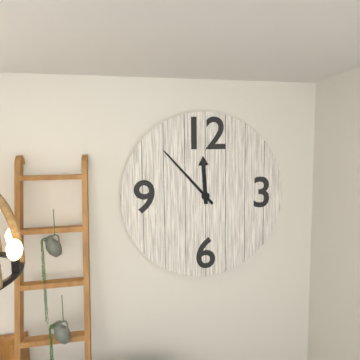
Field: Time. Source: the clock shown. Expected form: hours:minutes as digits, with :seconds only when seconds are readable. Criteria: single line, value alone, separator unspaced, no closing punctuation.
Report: 11:53
